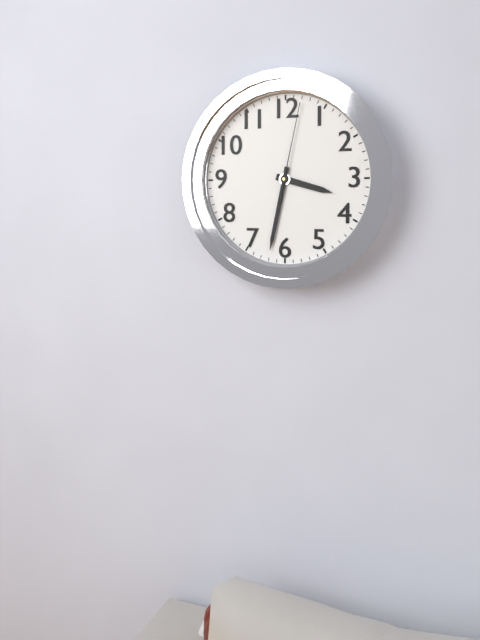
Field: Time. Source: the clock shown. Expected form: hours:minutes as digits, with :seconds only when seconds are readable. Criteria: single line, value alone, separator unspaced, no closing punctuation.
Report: 3:32:02
